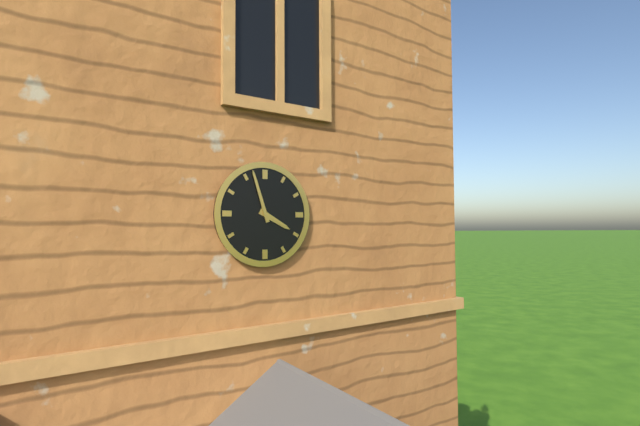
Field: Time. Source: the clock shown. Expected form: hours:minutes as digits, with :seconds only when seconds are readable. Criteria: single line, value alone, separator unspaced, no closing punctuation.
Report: 3:57
